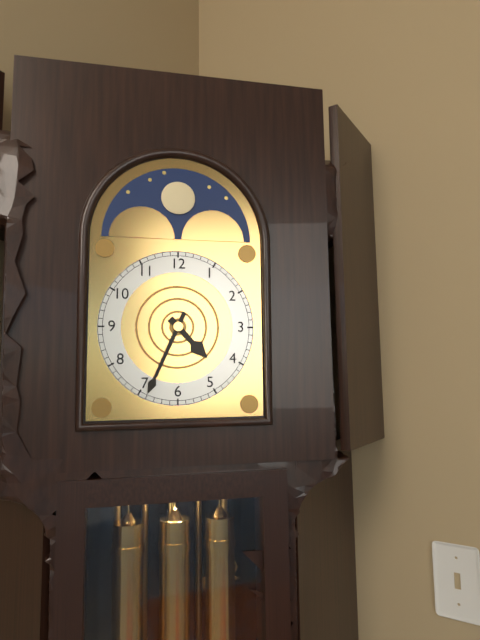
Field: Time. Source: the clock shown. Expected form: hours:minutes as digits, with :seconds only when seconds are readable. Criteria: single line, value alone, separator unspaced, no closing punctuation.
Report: 4:34
